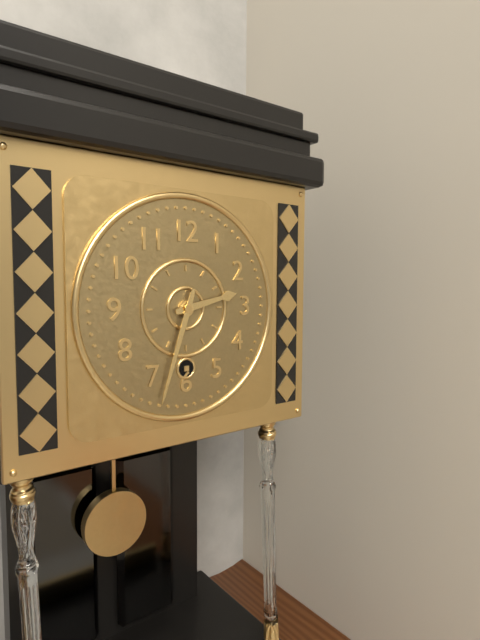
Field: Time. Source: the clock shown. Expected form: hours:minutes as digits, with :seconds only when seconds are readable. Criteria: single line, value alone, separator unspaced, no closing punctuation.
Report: 2:33
